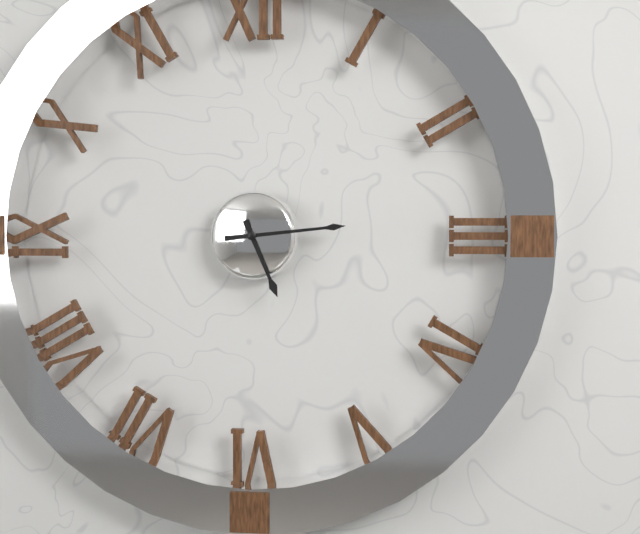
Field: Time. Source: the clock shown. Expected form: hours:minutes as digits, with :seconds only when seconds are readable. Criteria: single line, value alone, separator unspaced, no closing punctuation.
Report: 5:14
